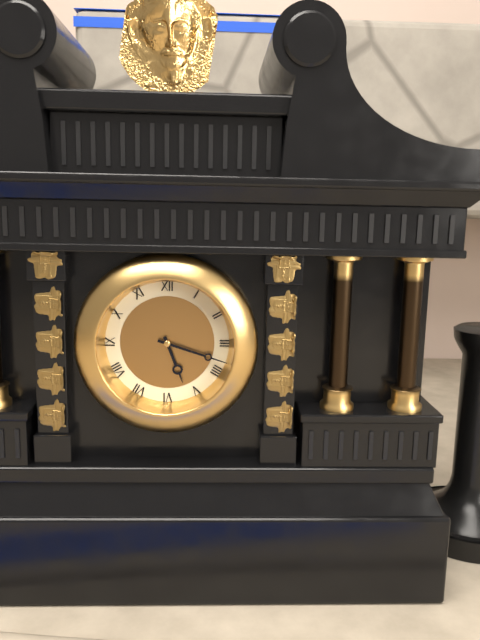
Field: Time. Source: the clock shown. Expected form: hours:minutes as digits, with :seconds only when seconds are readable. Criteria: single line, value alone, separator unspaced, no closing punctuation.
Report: 5:18
